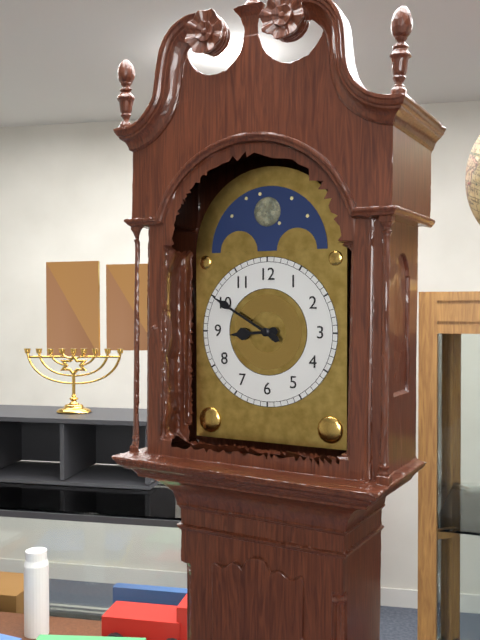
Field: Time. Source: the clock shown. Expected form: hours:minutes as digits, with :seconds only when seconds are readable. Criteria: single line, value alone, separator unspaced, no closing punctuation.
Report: 8:50
